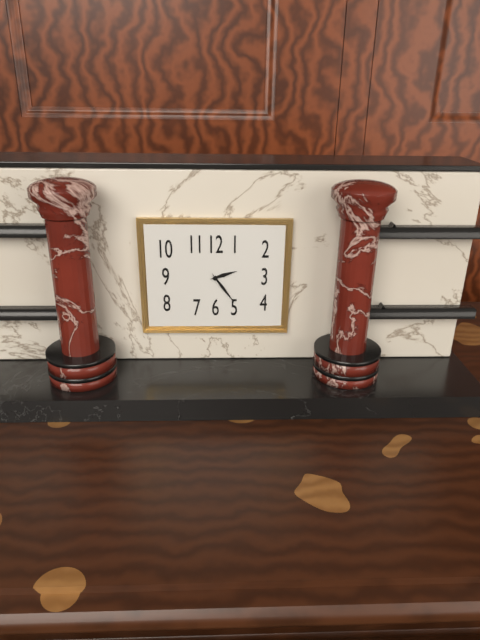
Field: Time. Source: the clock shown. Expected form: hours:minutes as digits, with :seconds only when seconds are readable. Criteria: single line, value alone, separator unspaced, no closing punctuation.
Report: 2:24
